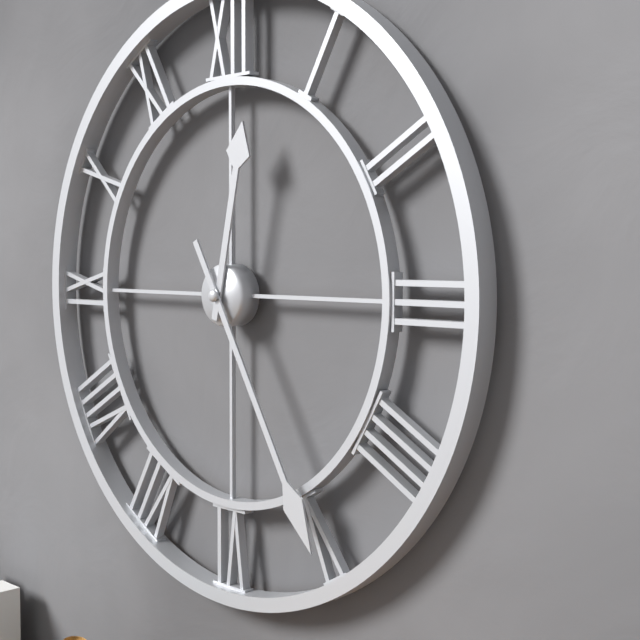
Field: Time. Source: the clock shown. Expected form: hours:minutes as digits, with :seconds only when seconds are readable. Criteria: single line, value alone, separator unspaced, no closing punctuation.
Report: 12:25
